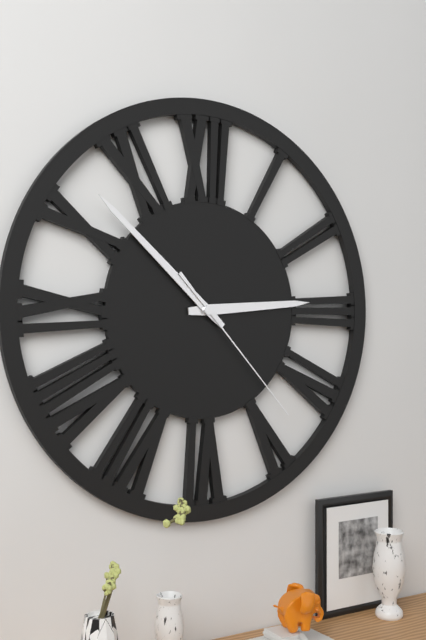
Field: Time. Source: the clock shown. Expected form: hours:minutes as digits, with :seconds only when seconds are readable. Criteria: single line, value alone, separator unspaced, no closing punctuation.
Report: 2:52:23
